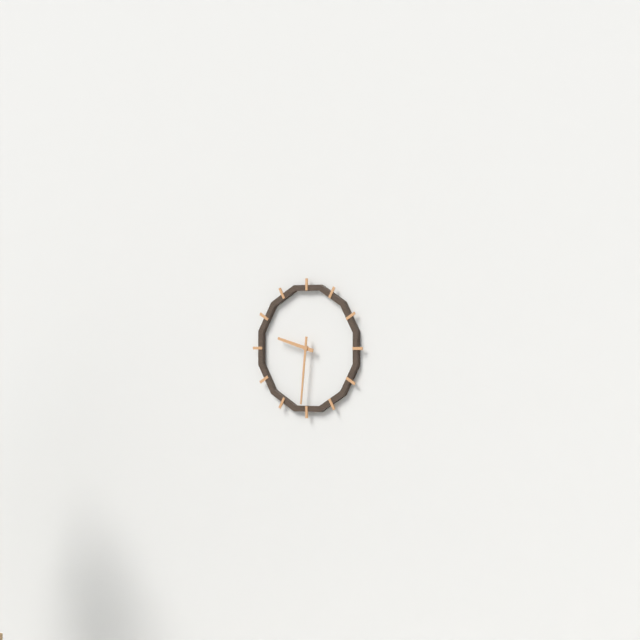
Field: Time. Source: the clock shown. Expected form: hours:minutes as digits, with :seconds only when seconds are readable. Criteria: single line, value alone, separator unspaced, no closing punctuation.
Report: 9:31
